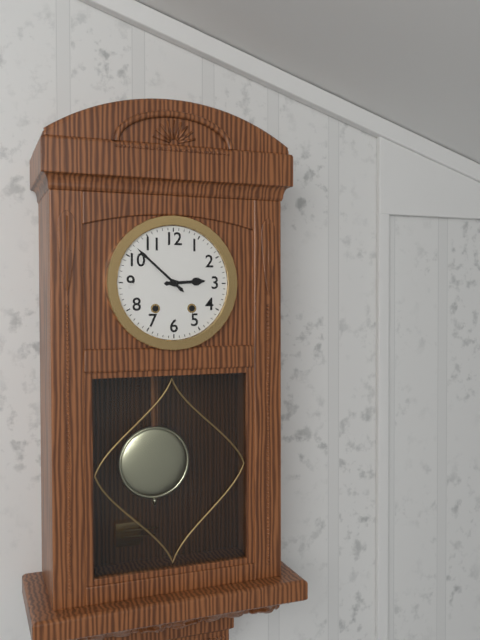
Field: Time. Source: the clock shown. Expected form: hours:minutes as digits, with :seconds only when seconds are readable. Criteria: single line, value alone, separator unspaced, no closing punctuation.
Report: 2:52
